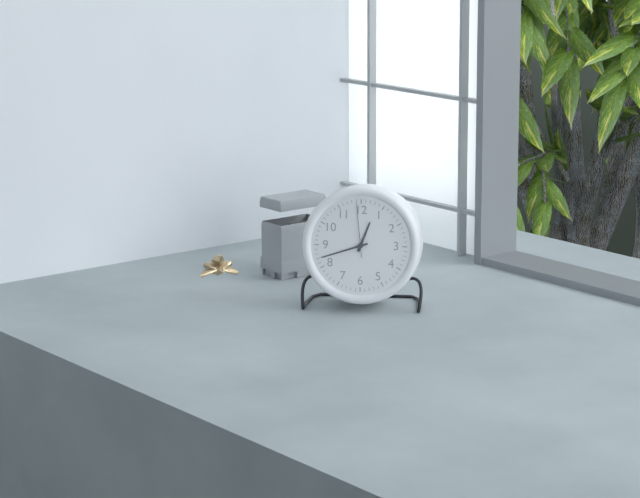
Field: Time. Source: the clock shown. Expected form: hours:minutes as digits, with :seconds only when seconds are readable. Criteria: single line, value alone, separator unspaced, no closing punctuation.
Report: 12:42:59
